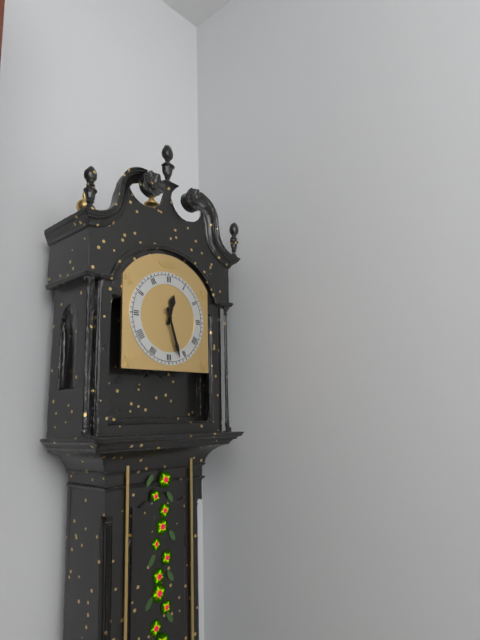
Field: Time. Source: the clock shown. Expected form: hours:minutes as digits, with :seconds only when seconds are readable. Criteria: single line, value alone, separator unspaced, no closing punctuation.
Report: 12:27
